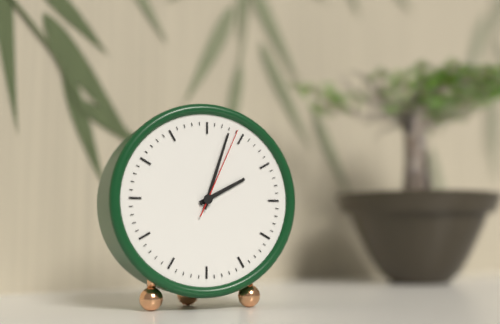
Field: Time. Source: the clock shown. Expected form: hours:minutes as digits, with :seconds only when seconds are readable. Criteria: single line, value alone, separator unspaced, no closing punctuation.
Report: 2:03:04
